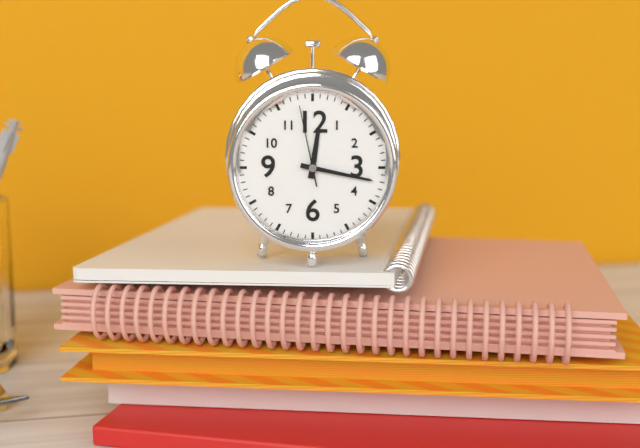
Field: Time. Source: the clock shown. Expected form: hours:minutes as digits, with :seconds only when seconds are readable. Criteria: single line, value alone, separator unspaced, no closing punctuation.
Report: 12:17:58
